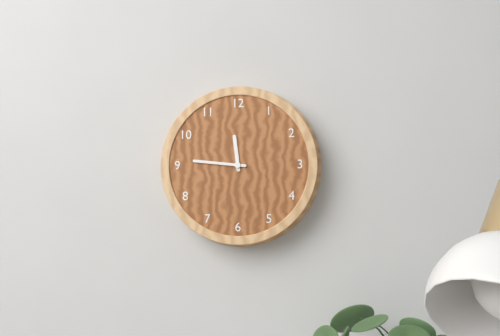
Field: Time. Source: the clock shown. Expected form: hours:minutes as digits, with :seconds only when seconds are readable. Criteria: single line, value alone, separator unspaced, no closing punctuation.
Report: 11:46
